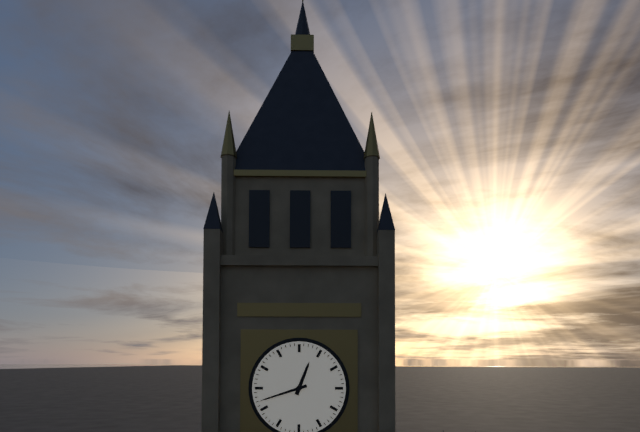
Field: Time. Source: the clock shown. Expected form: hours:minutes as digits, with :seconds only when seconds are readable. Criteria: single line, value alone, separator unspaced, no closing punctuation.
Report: 12:42
